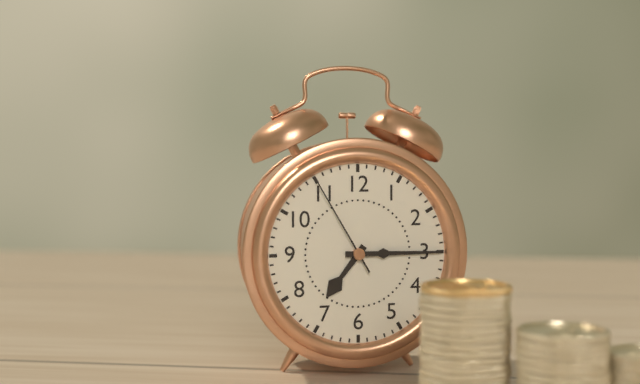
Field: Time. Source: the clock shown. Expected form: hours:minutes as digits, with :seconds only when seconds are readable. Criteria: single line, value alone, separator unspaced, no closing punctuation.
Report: 7:15:55
